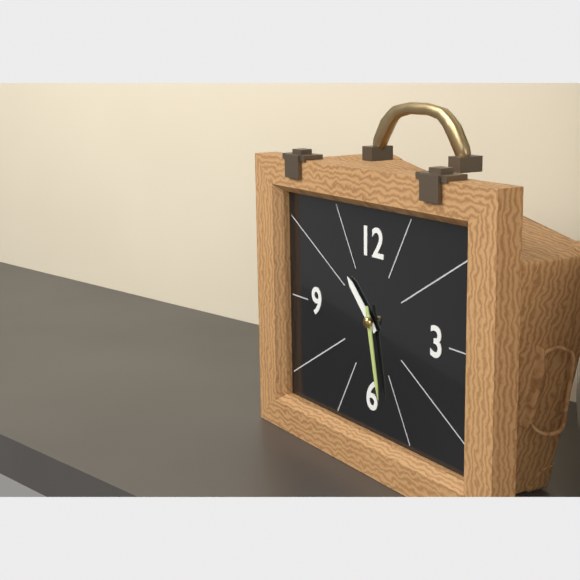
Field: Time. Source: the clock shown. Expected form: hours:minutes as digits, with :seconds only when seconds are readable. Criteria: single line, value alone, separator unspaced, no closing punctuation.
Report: 10:28
